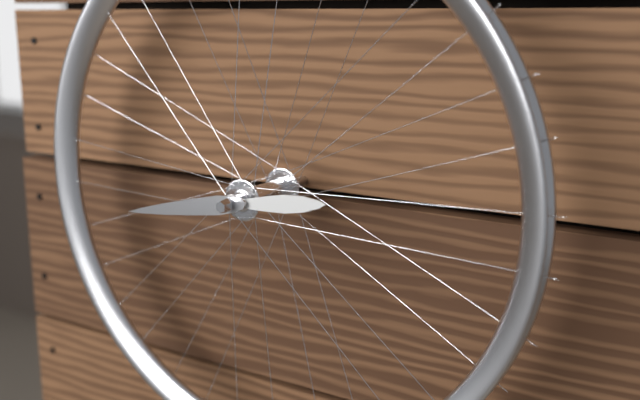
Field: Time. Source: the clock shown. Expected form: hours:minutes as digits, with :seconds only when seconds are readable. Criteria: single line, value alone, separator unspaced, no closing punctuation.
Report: 2:43
